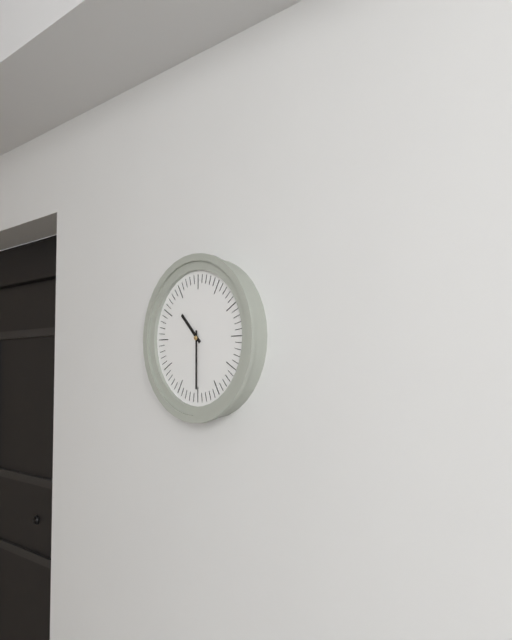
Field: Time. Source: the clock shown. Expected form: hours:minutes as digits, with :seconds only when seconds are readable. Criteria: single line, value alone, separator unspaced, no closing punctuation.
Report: 10:30
